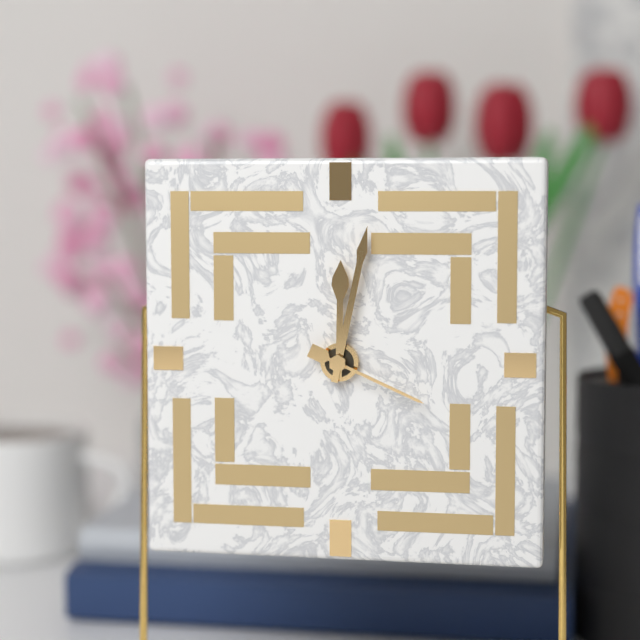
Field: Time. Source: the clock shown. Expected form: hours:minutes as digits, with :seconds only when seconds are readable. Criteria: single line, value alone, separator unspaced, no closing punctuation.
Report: 12:02:19
